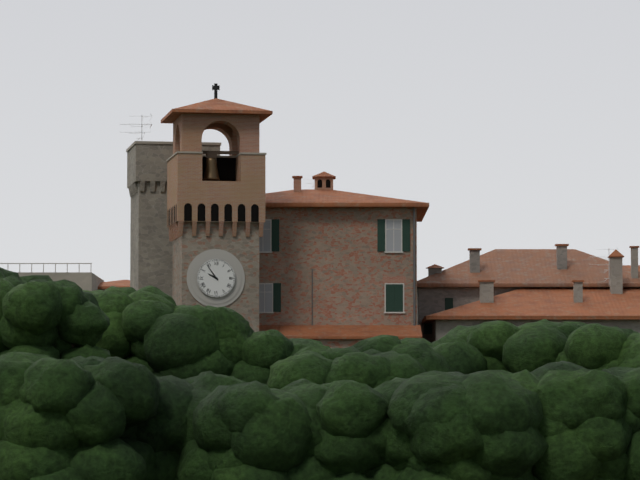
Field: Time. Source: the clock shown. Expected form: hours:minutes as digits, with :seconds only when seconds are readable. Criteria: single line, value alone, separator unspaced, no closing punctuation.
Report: 9:54
